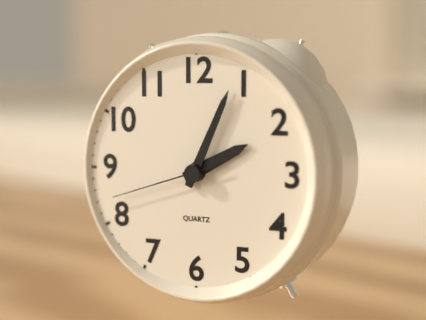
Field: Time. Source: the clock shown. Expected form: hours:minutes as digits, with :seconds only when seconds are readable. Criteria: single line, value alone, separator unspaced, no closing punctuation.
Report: 2:04:42
